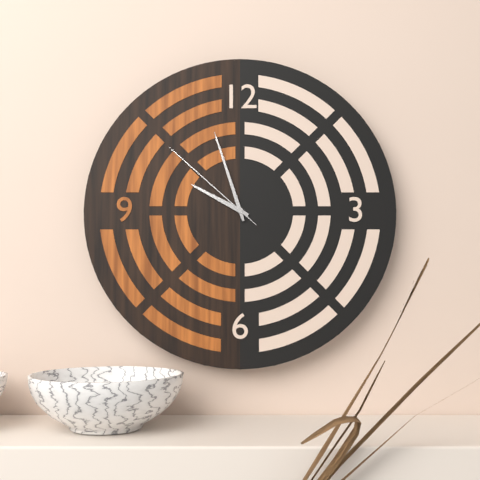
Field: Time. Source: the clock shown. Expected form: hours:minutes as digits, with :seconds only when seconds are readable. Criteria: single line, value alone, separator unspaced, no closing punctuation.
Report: 9:57:52
